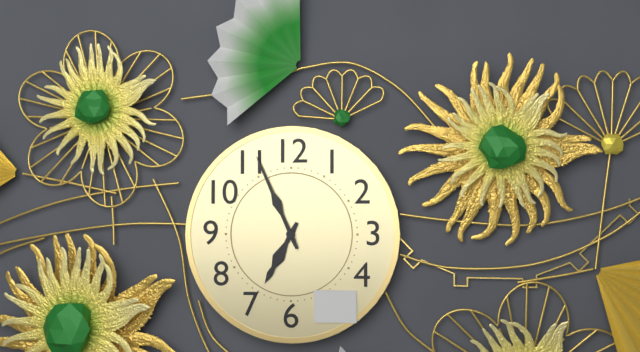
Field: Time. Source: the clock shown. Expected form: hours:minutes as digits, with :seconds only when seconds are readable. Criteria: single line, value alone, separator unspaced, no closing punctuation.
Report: 6:56
